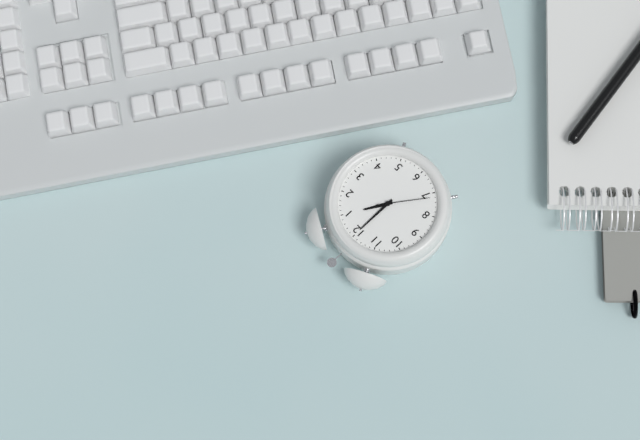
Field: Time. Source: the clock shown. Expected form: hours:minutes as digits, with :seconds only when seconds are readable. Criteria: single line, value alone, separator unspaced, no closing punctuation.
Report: 1:00:36
